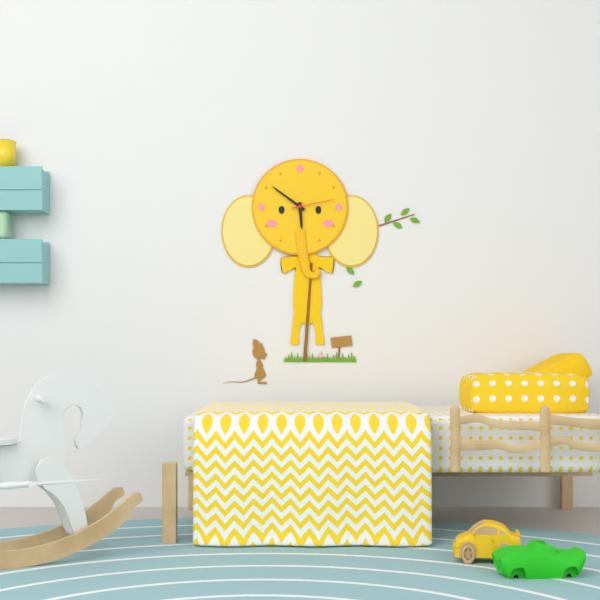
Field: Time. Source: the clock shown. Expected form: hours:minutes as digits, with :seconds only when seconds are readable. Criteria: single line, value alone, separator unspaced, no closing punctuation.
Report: 5:51
